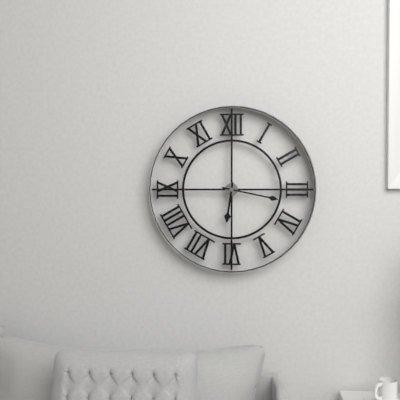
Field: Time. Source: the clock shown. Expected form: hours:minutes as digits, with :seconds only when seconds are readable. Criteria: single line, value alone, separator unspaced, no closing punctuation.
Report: 6:17
